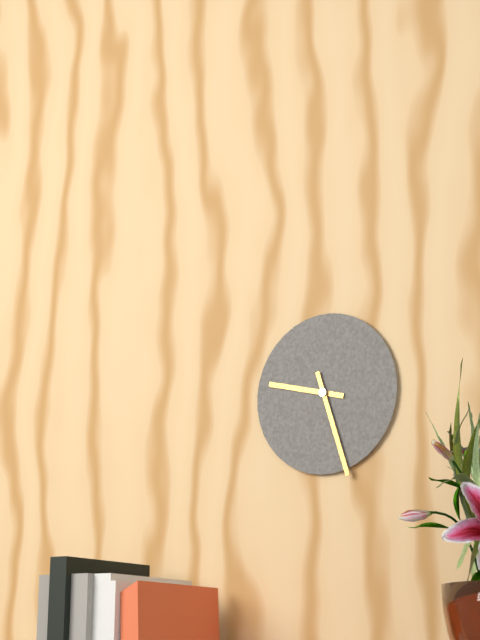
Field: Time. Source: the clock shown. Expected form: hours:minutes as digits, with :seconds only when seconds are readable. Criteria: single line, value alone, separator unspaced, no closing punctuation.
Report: 9:27
